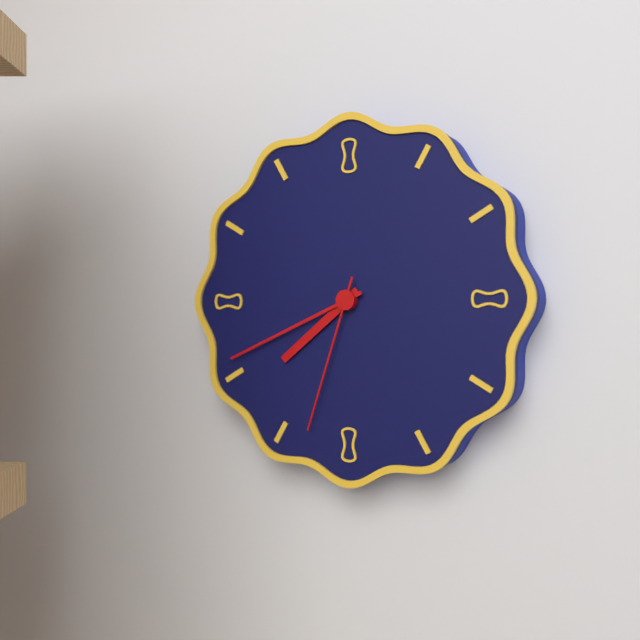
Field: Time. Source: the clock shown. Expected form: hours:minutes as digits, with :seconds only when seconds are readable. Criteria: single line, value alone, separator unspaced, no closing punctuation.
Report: 7:41:33
